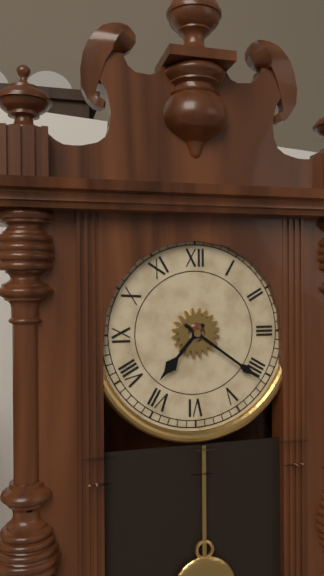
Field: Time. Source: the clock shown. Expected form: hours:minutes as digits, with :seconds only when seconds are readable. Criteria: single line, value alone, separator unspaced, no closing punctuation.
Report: 7:21
